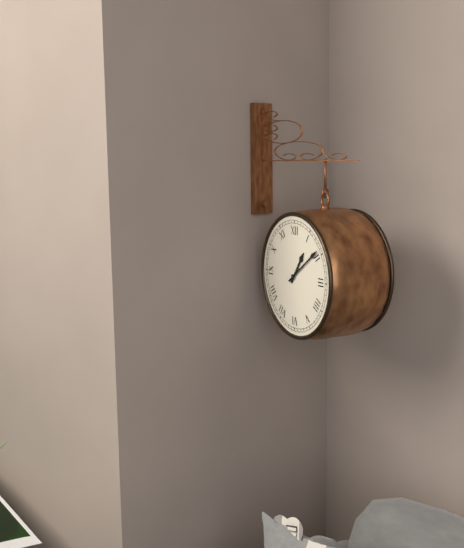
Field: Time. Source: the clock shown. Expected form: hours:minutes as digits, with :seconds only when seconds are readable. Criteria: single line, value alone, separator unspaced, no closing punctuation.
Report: 1:09
